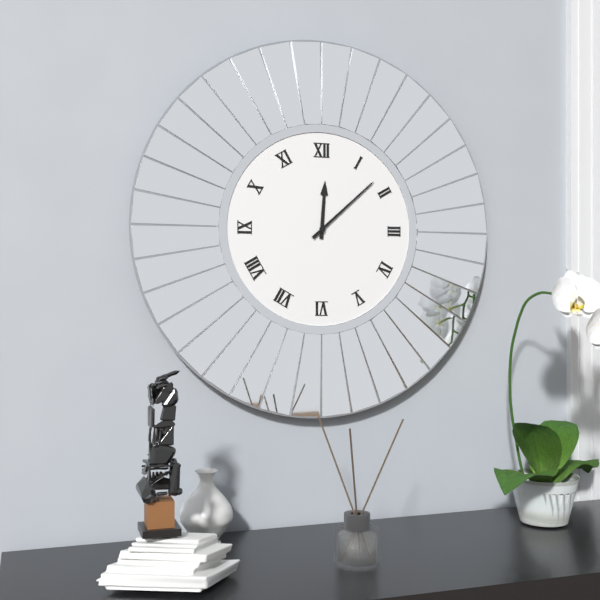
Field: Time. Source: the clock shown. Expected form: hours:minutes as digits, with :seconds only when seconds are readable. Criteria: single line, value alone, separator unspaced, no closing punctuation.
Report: 12:08
